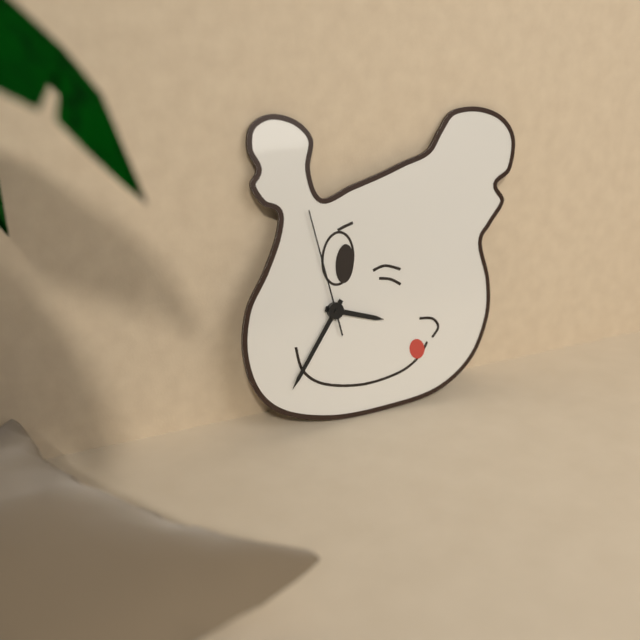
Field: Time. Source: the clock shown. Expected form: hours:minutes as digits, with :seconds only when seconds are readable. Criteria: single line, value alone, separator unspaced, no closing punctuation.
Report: 3:36:58
